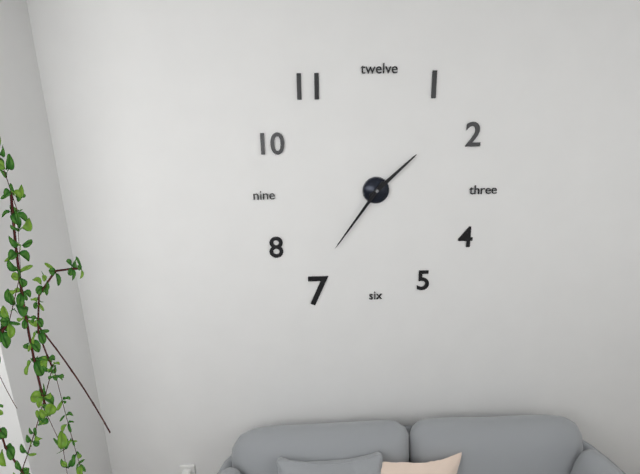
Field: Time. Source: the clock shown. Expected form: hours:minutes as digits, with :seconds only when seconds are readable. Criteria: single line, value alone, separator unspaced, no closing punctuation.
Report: 1:36
